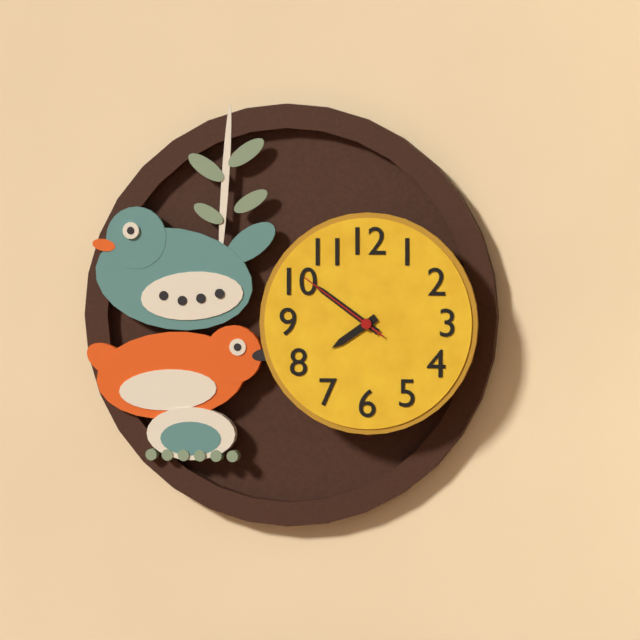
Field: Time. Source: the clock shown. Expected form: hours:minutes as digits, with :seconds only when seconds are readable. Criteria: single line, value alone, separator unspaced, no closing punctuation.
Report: 7:51:51
